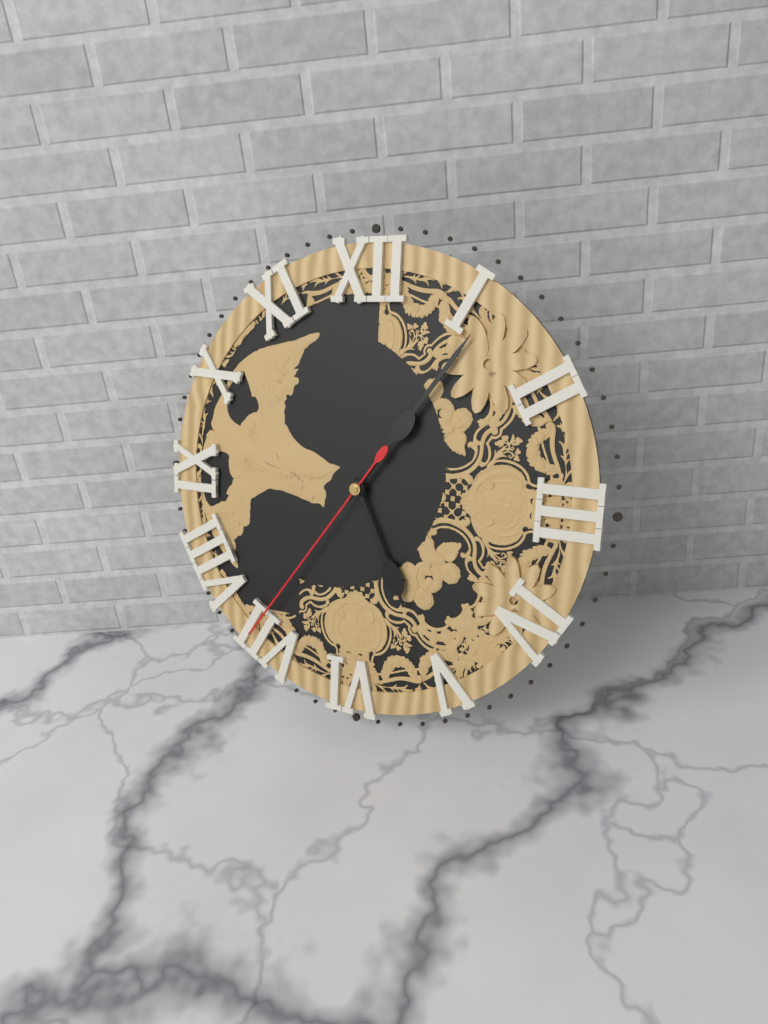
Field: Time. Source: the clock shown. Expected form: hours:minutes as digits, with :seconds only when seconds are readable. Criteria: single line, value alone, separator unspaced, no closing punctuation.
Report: 5:06:36
